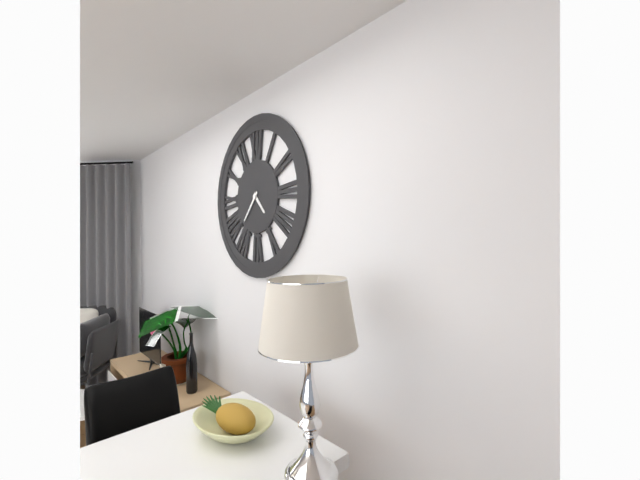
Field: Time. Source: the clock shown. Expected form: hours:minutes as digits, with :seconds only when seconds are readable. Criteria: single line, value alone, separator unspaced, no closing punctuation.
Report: 4:37
